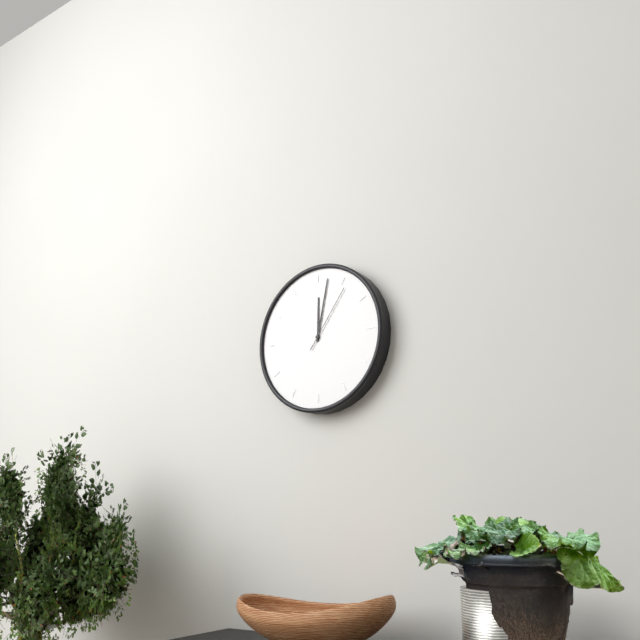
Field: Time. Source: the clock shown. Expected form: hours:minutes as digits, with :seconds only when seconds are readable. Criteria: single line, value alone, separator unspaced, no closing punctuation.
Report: 12:02:06
